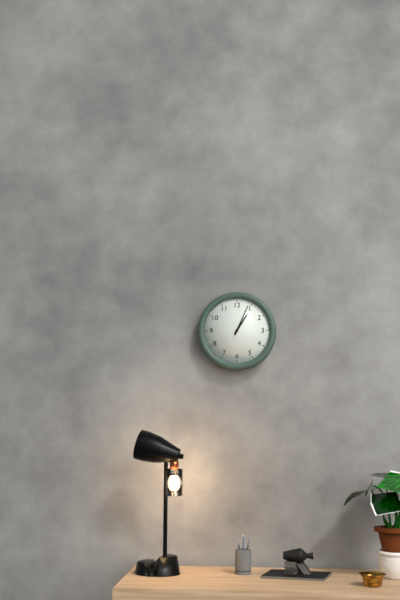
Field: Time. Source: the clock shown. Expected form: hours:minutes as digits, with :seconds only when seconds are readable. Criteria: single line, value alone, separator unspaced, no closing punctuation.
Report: 1:04
